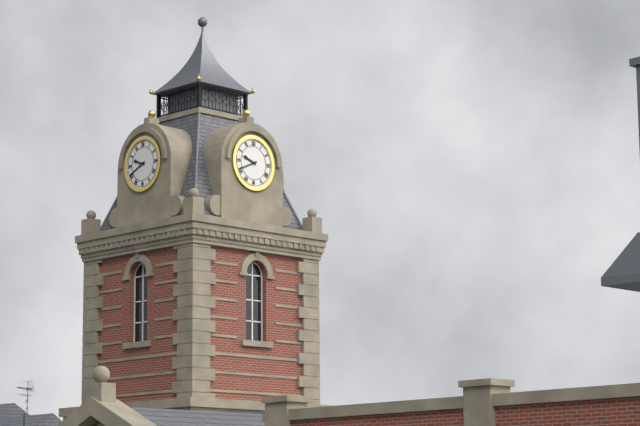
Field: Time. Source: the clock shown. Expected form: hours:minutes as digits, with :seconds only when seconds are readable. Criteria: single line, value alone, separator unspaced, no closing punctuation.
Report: 9:41
